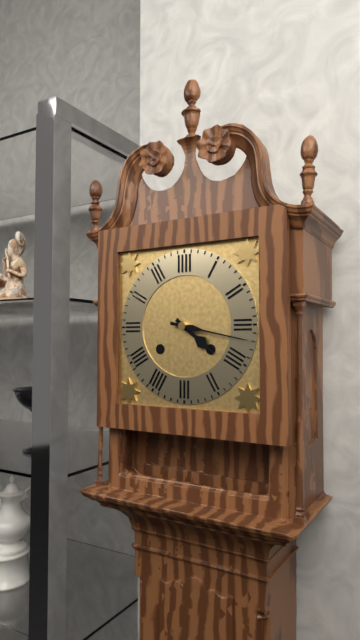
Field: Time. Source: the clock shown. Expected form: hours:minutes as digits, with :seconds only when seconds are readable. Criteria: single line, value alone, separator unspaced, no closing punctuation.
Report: 4:17
